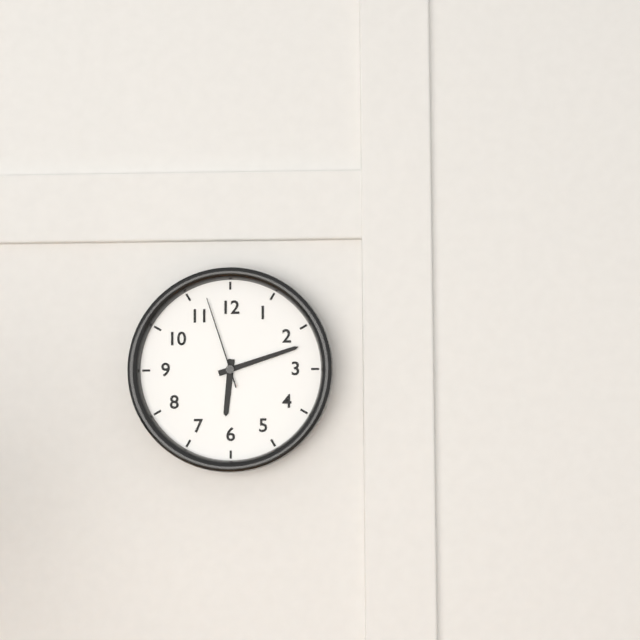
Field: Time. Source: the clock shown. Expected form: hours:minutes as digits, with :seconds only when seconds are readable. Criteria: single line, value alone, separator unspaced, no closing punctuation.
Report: 6:12:57
